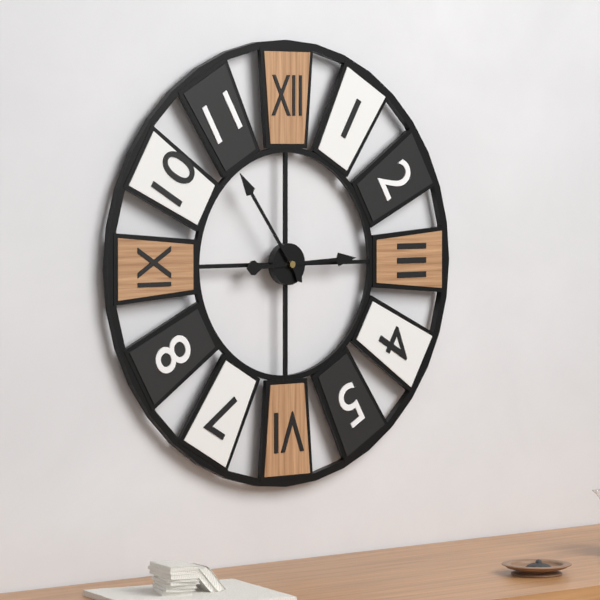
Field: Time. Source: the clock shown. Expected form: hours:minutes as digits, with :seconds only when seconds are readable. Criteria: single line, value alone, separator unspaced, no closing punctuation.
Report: 2:54
